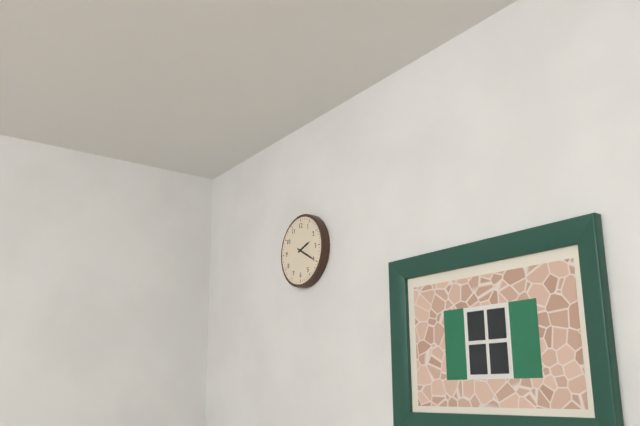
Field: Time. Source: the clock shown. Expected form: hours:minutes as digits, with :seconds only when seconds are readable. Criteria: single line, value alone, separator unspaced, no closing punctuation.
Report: 2:20
